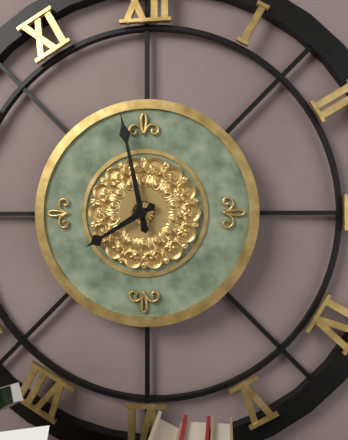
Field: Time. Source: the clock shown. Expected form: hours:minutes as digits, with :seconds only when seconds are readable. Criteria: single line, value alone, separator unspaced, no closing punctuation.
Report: 7:58
